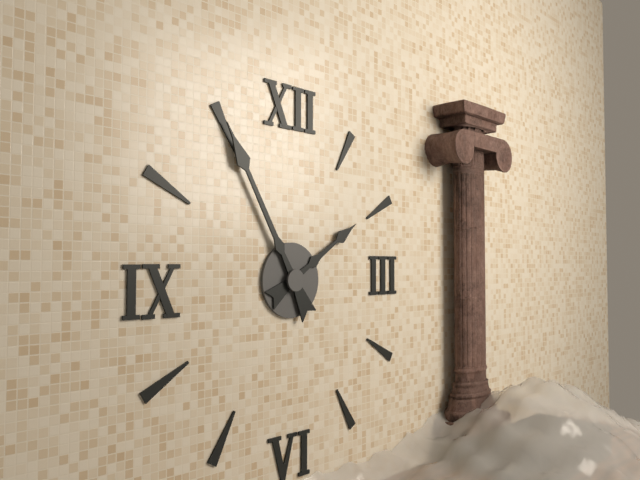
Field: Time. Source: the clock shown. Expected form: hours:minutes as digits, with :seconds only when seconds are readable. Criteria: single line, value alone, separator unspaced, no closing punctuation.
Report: 1:55
